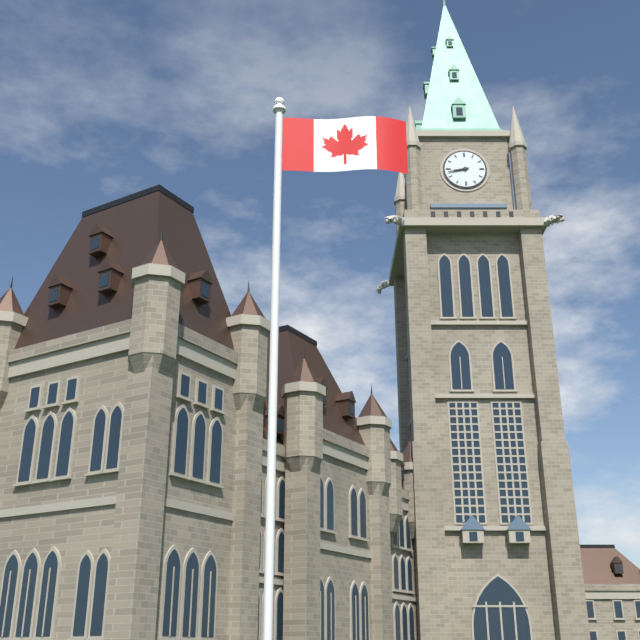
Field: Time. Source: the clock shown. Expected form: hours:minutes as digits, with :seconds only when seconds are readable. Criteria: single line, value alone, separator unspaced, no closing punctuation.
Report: 8:43
